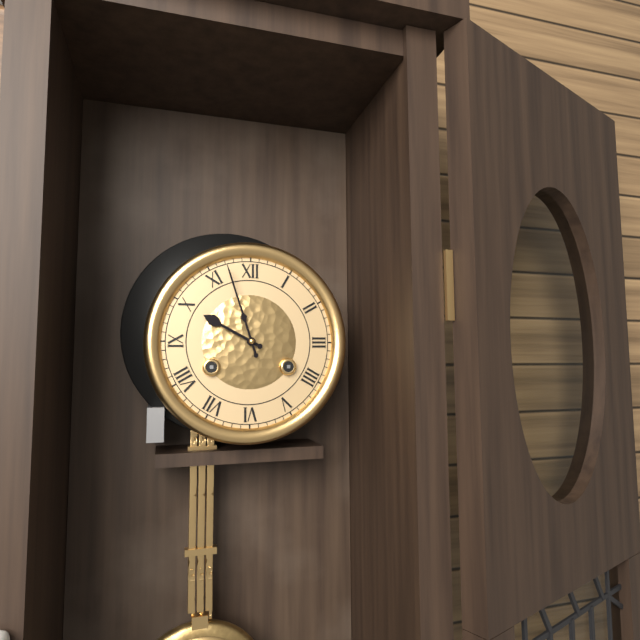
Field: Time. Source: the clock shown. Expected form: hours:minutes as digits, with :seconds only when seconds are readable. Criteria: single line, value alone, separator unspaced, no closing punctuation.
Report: 9:57
